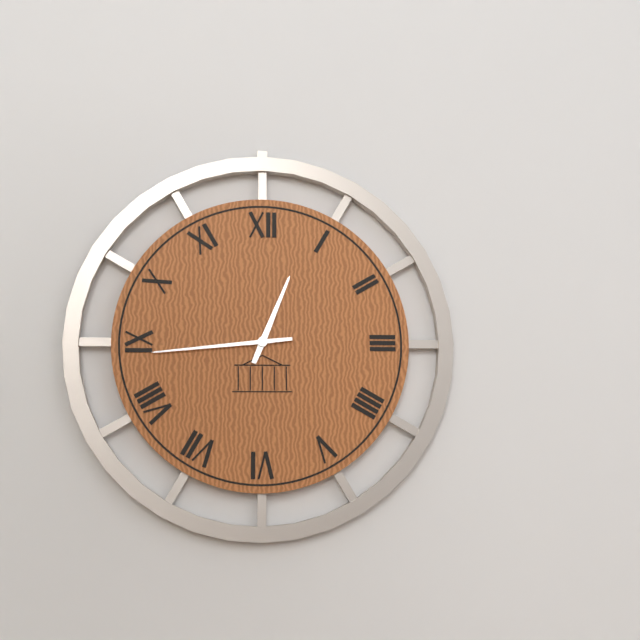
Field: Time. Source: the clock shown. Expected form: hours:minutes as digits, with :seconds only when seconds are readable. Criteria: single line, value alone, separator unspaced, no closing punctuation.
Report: 12:44
